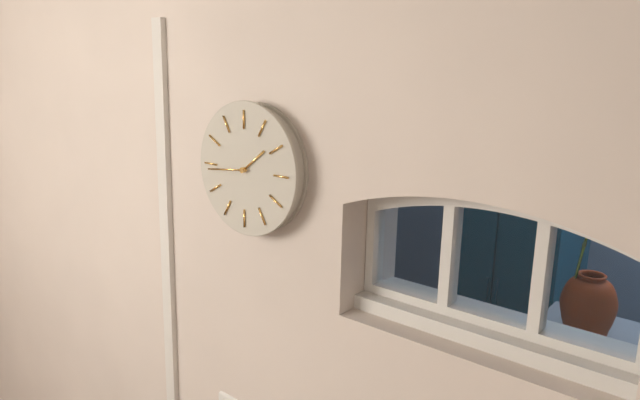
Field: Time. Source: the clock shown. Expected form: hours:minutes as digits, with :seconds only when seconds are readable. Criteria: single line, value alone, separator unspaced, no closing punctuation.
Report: 1:44
